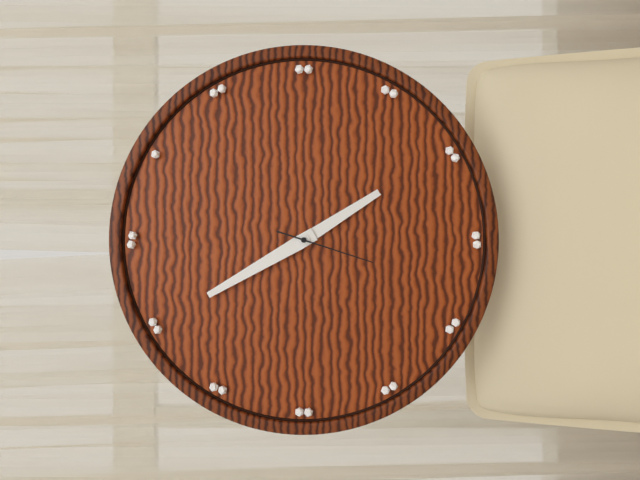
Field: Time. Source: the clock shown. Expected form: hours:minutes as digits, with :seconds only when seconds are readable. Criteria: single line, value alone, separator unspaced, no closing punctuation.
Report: 4:55:33
